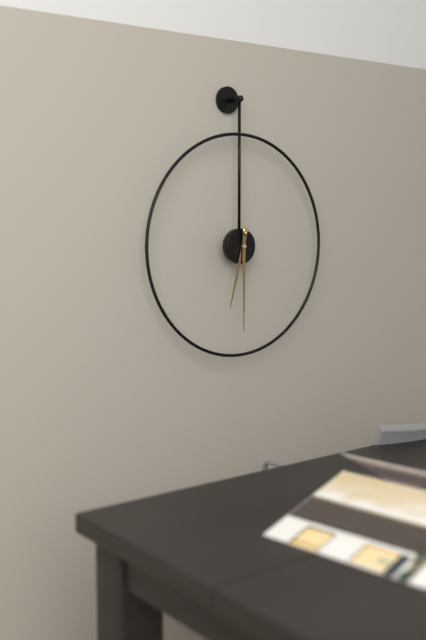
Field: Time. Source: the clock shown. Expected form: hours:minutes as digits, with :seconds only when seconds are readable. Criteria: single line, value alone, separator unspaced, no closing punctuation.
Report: 6:30
